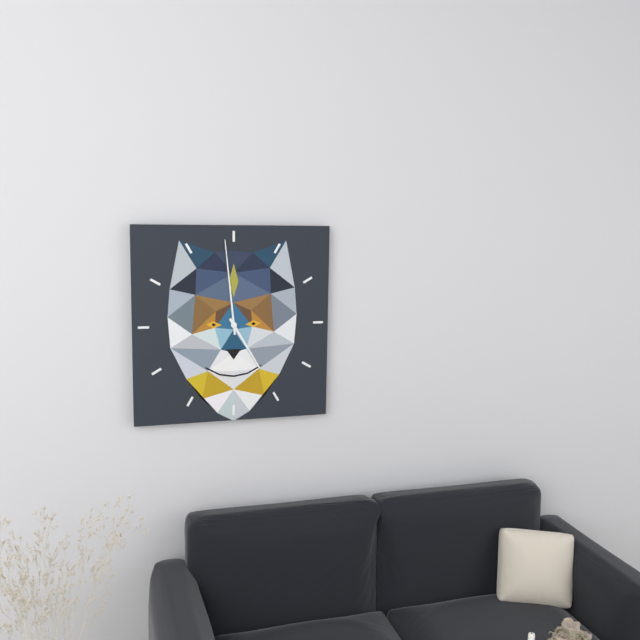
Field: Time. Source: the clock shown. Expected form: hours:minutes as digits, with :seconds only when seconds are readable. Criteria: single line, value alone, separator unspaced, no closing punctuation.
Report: 4:59
